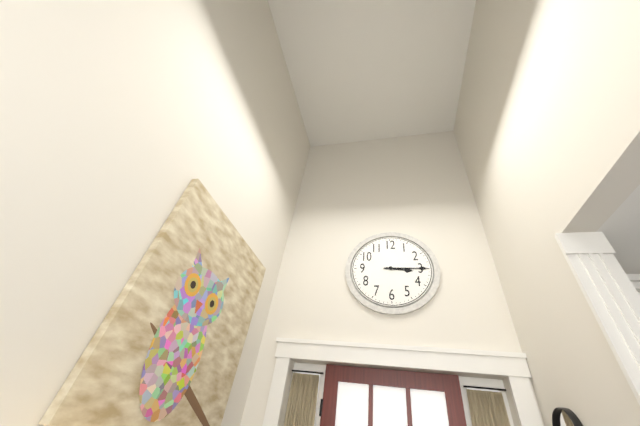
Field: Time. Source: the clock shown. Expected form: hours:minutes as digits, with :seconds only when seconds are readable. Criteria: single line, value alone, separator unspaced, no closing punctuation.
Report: 3:15
